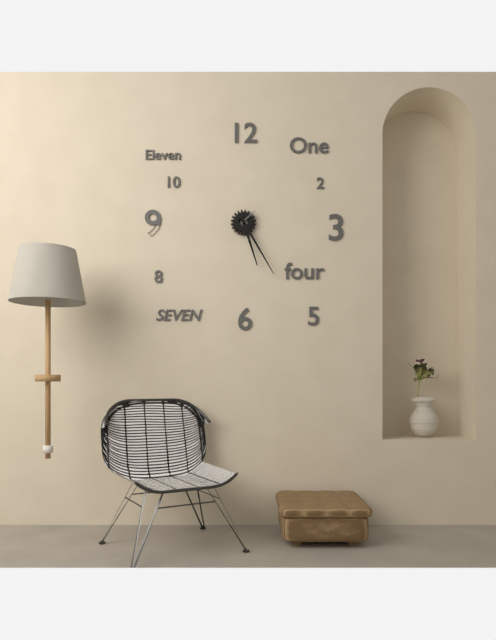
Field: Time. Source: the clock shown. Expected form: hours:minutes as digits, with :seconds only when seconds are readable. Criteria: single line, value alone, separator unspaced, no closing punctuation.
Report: 5:25
